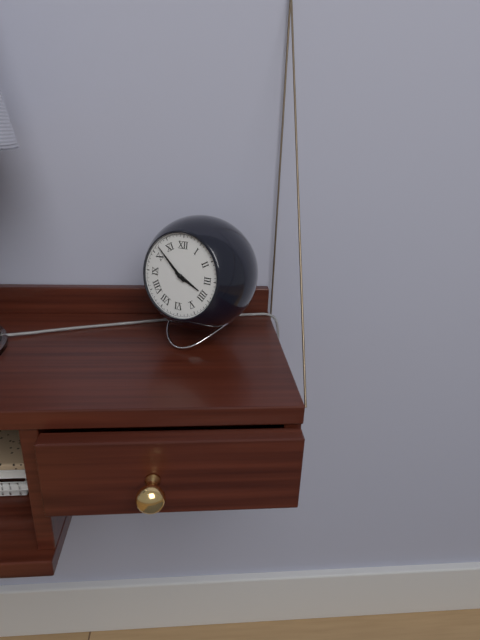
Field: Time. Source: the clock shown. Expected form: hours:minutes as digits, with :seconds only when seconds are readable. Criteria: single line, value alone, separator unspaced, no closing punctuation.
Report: 3:52
